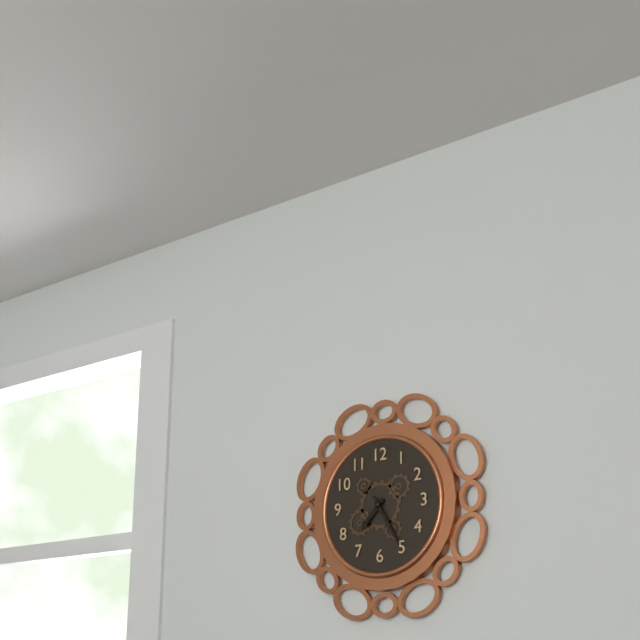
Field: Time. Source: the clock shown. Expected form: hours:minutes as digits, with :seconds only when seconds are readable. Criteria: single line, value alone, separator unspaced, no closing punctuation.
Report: 7:25
